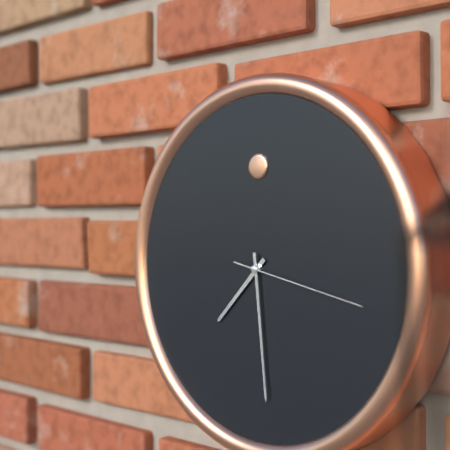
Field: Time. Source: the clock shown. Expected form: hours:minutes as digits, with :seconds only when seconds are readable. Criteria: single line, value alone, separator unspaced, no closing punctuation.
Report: 7:29:17
